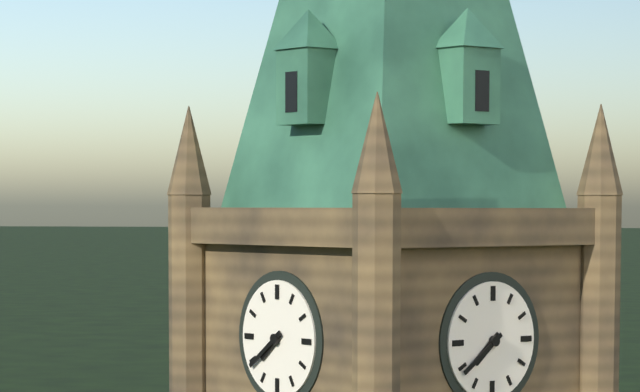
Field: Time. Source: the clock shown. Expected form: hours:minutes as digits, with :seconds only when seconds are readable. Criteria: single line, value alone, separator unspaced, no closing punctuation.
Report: 7:39
